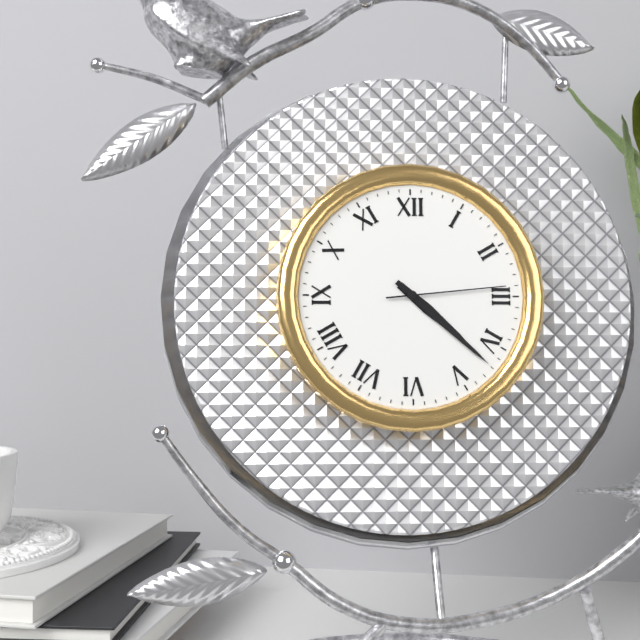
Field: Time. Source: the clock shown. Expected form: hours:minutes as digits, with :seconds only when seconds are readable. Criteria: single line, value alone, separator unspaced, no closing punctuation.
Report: 4:22:14
